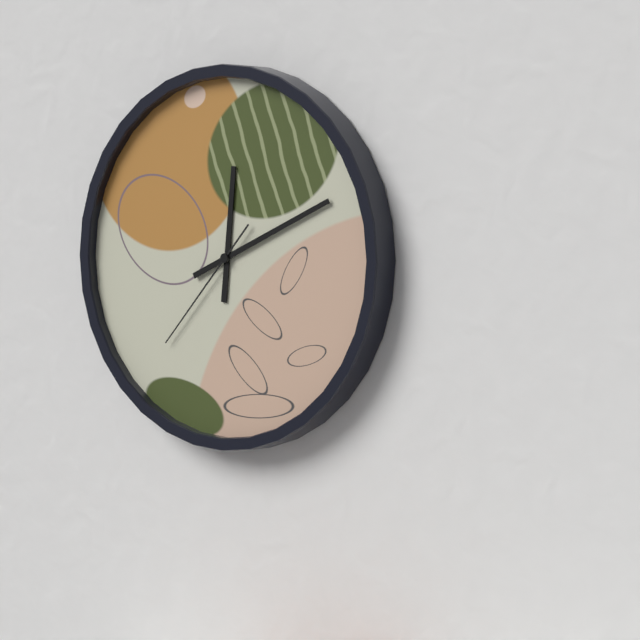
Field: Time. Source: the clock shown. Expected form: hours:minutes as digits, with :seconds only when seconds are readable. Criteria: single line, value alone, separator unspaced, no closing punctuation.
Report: 12:11:37
